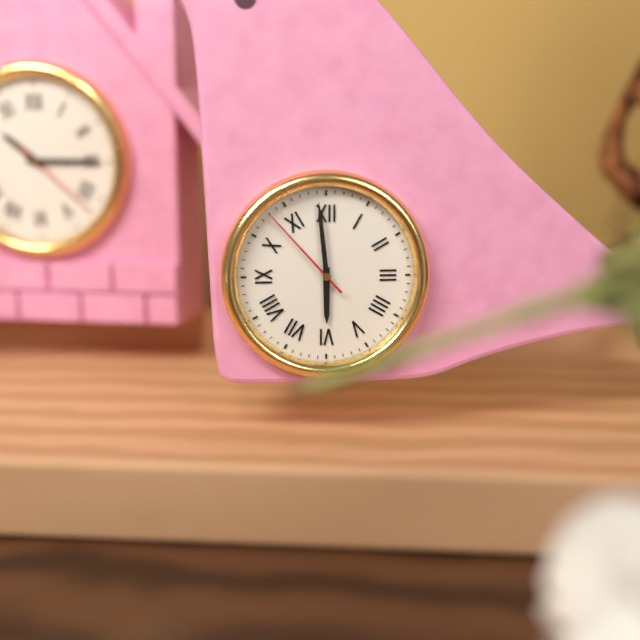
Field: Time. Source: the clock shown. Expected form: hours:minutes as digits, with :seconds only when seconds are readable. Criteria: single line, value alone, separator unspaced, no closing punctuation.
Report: 5:59:53
